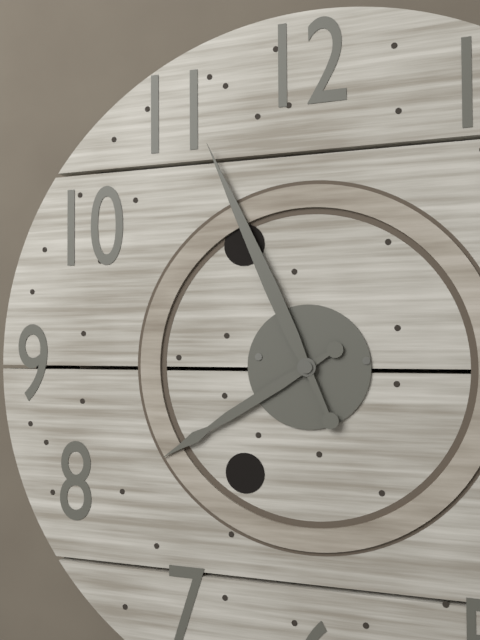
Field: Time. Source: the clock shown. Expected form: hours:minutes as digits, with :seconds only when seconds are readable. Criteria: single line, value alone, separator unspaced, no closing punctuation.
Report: 7:56
